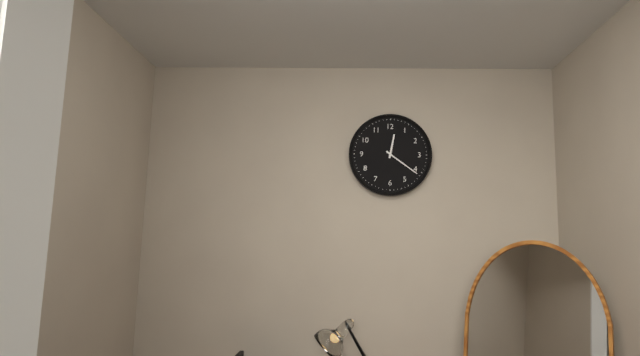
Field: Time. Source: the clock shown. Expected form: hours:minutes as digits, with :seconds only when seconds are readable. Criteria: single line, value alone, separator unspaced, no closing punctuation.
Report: 12:21
